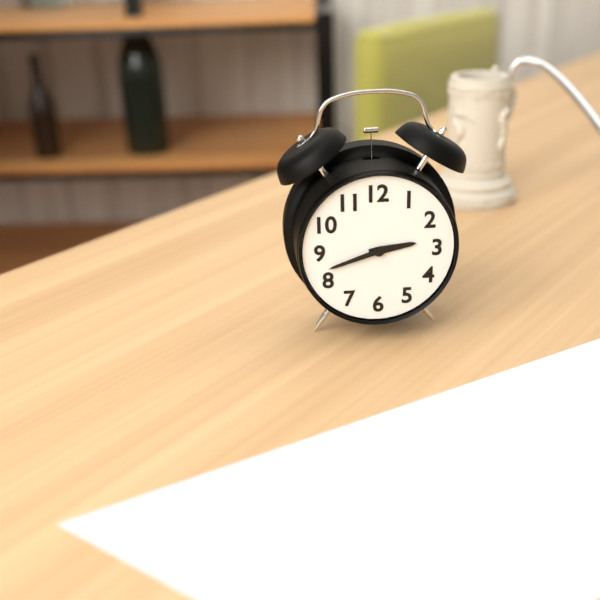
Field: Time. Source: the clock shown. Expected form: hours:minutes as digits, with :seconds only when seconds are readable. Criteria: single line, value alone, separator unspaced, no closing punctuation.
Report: 2:42
